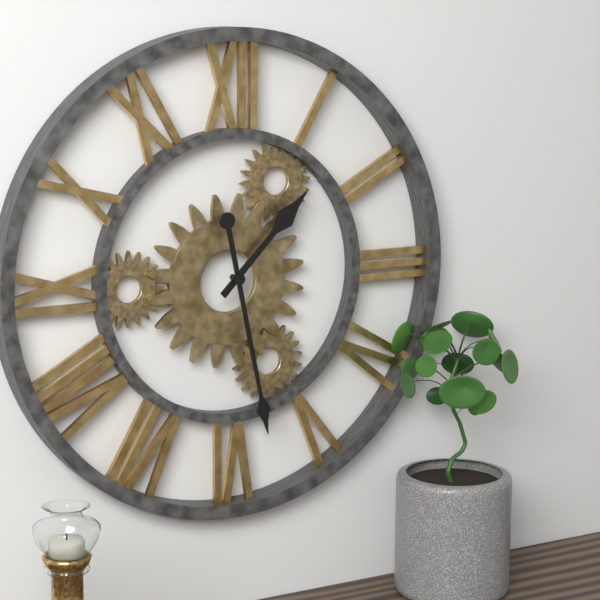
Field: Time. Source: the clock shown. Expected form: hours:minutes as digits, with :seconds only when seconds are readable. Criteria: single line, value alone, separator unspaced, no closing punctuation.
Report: 1:28
